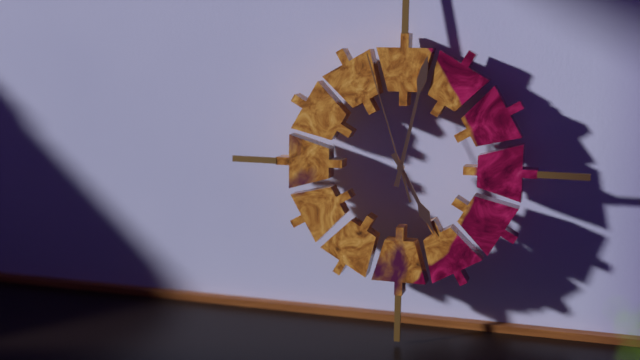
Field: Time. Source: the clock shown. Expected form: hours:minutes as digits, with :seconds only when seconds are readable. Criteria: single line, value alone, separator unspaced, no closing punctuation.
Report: 5:02:57
